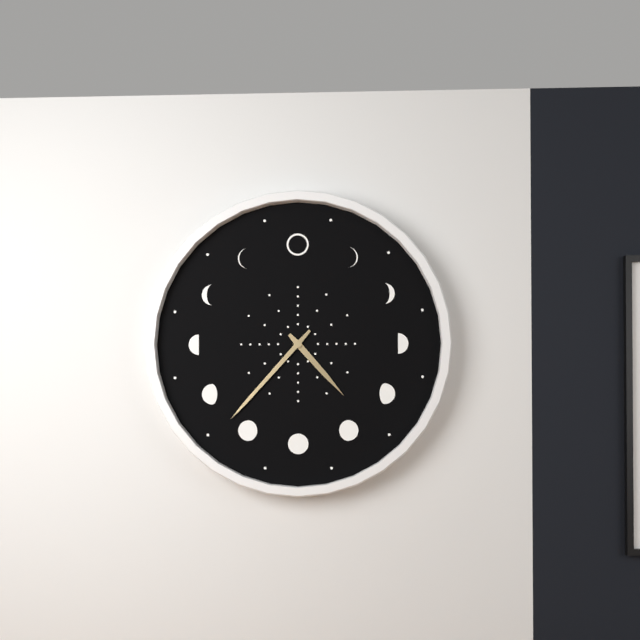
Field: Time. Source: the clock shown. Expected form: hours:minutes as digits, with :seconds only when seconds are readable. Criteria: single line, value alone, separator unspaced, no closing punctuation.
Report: 4:37
